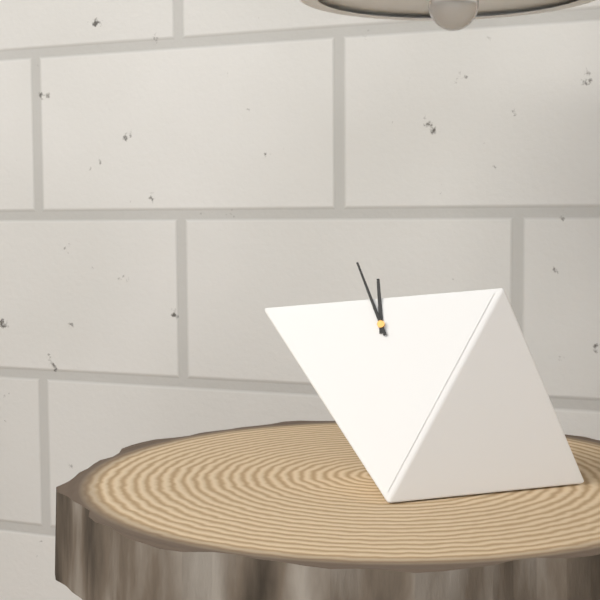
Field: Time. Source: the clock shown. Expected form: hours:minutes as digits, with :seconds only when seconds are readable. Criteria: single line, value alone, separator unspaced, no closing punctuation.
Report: 11:57
